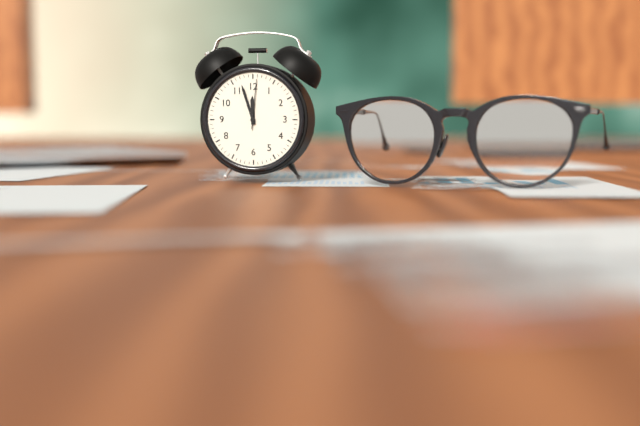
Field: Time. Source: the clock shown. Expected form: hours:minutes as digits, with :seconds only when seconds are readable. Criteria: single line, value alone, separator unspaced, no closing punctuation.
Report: 11:57:01
